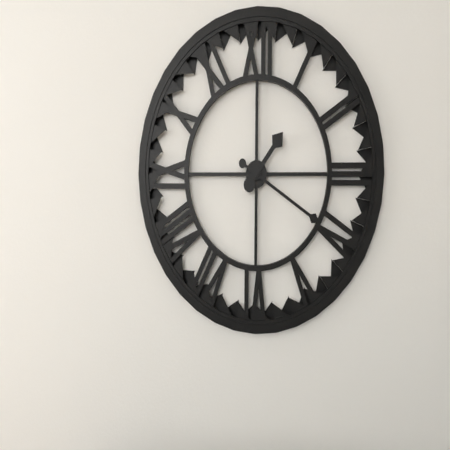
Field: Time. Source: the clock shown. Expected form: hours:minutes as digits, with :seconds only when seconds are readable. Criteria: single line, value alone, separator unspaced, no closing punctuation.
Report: 1:20
